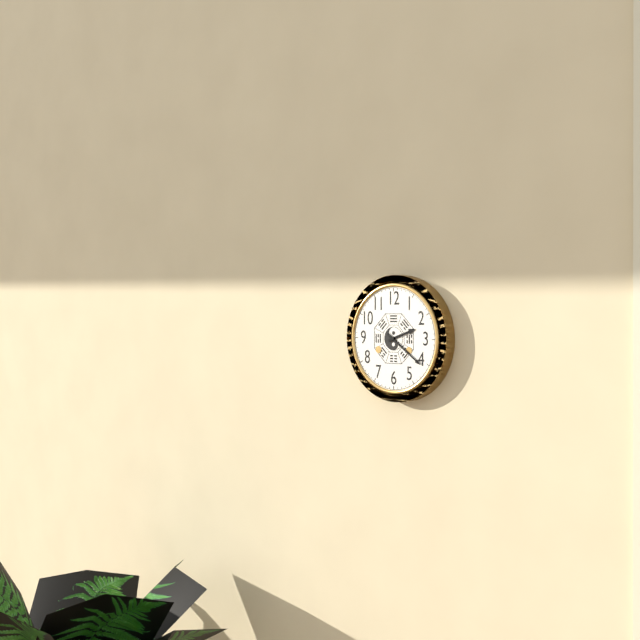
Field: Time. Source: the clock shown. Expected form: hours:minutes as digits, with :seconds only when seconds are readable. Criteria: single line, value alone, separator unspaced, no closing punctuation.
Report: 2:21
